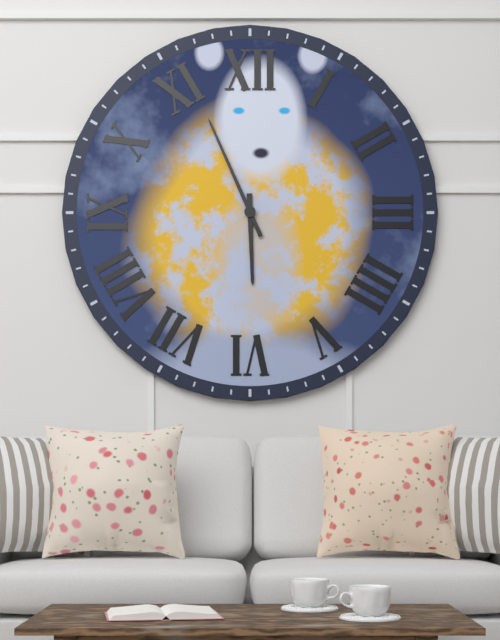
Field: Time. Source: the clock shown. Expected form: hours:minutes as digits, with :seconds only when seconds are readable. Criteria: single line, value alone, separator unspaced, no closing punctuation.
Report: 5:56
